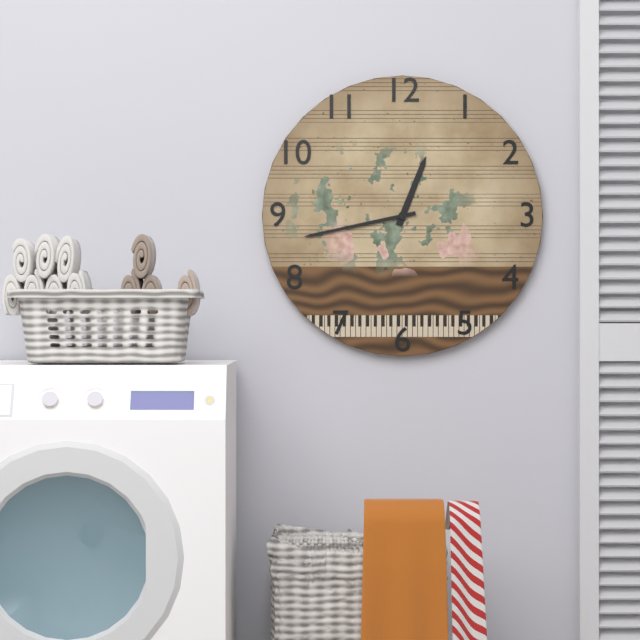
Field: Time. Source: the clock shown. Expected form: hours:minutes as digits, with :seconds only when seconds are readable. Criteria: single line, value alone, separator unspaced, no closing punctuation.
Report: 12:43
